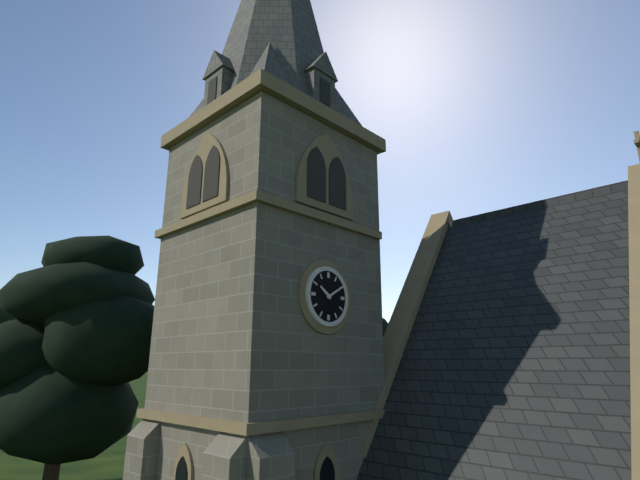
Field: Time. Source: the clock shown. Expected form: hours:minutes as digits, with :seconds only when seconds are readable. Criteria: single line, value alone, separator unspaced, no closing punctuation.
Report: 10:10
